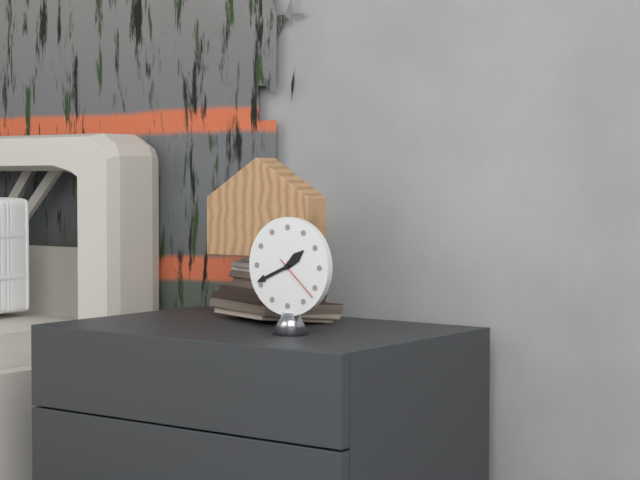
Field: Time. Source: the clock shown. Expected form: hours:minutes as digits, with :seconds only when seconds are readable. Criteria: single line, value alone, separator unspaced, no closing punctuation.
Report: 1:41:22
